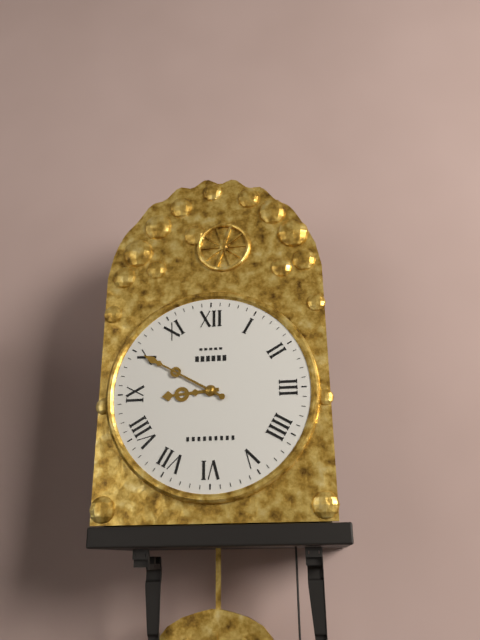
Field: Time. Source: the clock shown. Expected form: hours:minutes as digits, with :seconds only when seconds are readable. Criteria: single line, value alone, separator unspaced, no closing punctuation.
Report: 8:50
